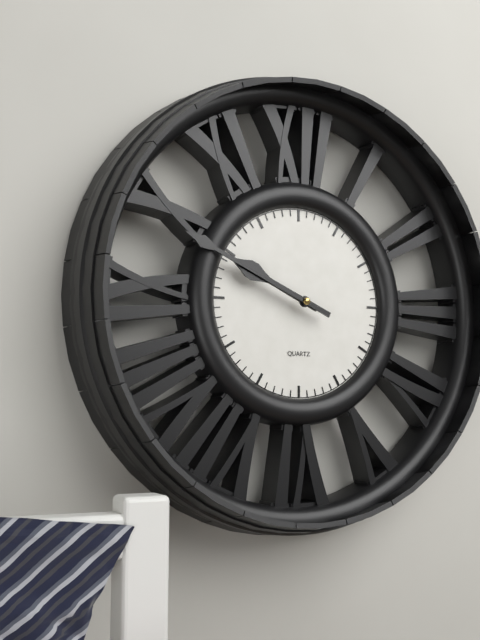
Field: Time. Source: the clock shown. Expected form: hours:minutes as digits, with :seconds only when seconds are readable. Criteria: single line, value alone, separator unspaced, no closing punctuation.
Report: 9:49
